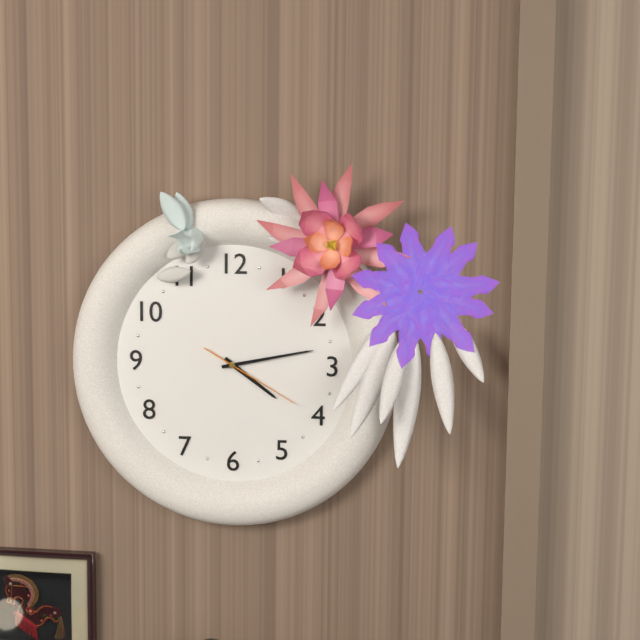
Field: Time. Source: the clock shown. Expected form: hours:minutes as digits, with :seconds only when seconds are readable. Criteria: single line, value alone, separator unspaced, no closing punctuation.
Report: 4:13:20
